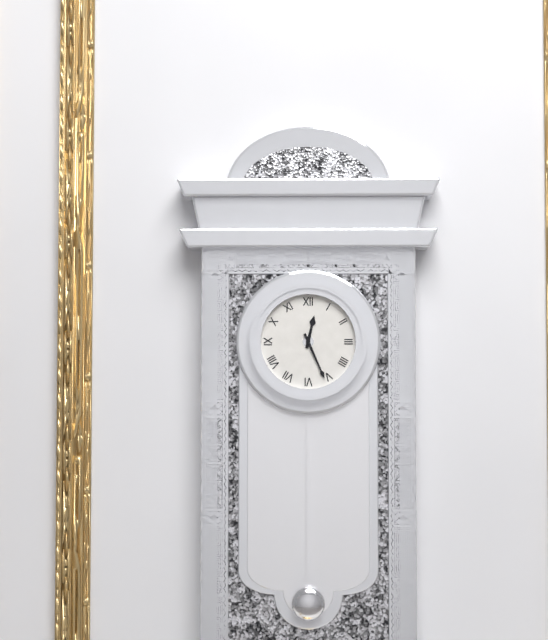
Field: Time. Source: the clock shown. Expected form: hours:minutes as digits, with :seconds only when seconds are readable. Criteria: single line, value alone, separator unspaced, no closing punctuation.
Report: 12:26
